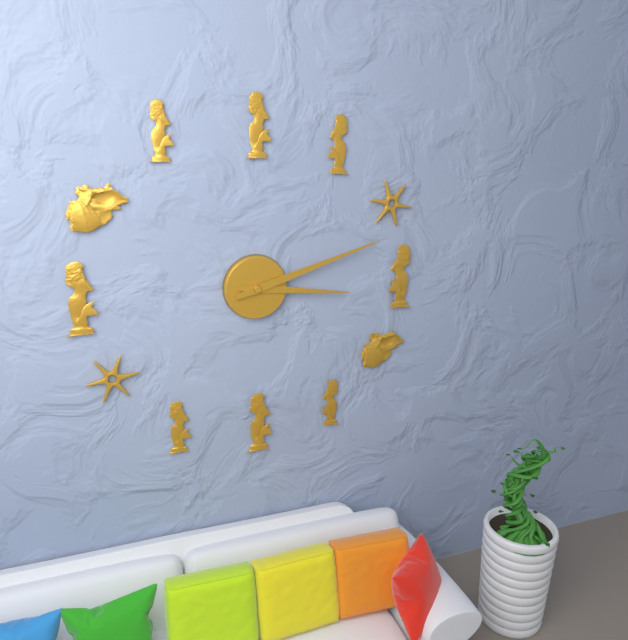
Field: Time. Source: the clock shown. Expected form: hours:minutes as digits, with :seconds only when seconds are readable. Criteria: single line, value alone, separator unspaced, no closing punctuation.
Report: 3:12
